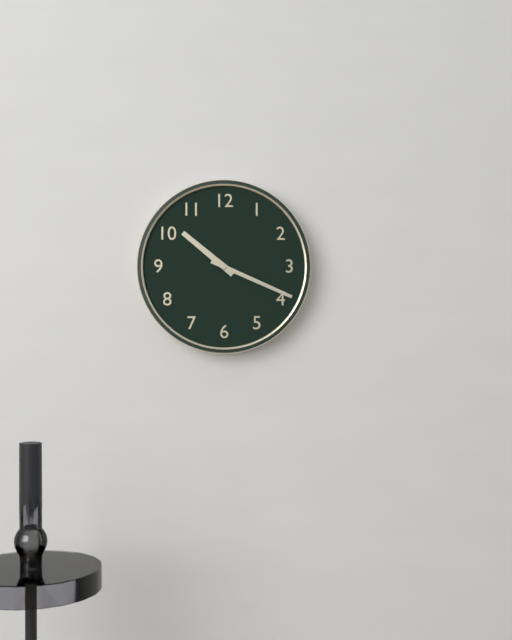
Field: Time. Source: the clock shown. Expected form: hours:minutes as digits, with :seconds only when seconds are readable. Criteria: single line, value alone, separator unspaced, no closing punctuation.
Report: 10:19
